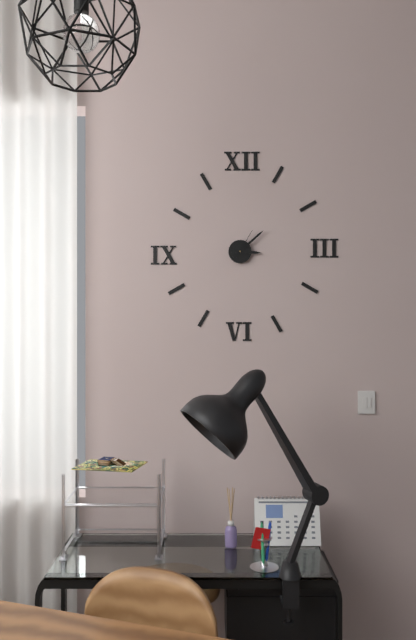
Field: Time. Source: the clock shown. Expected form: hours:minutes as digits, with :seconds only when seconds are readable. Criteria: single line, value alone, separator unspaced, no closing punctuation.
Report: 3:08
